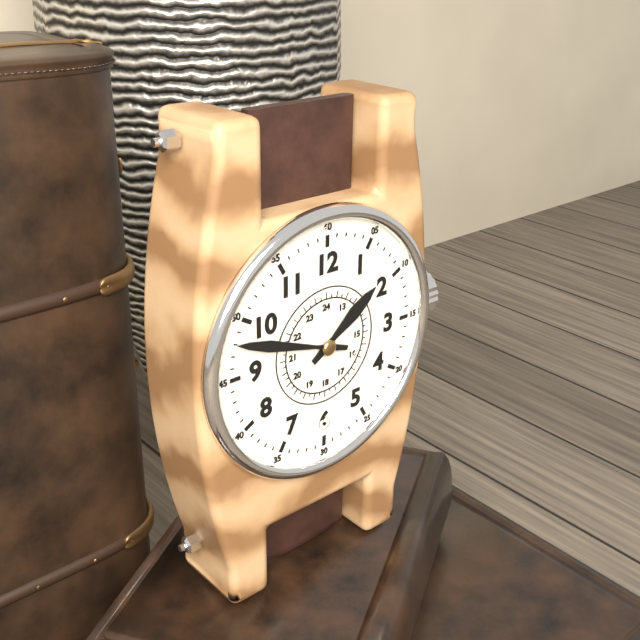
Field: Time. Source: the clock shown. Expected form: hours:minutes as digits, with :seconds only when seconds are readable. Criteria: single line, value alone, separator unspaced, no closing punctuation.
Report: 1:48
